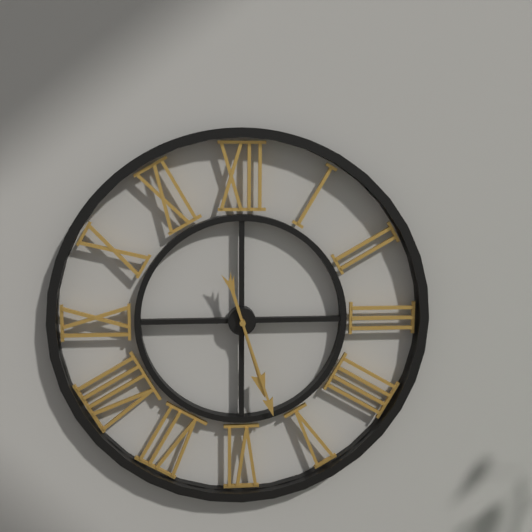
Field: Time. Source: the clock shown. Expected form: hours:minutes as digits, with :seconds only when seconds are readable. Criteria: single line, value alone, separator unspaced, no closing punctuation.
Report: 5:27
